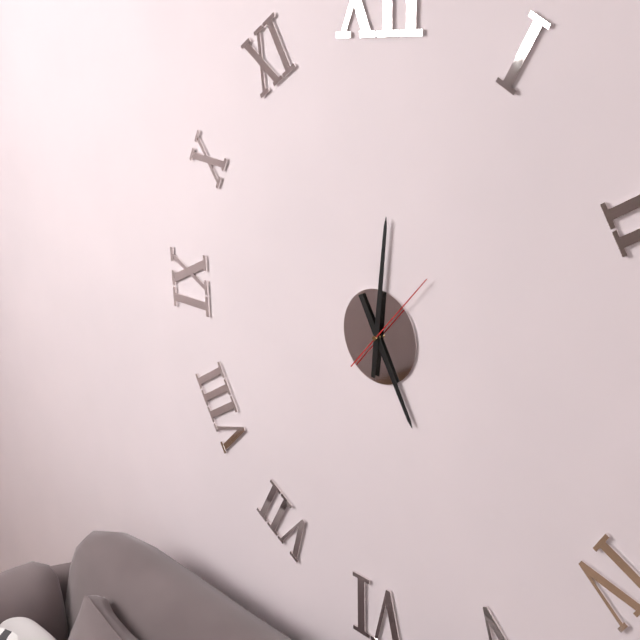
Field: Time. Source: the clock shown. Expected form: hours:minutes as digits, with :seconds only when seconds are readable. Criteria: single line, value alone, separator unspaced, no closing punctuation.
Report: 5:01:07
